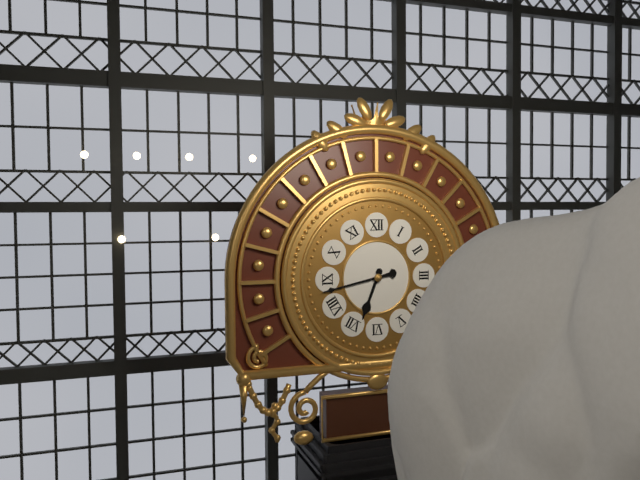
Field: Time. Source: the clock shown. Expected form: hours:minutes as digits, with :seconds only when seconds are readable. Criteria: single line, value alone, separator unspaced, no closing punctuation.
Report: 6:43
